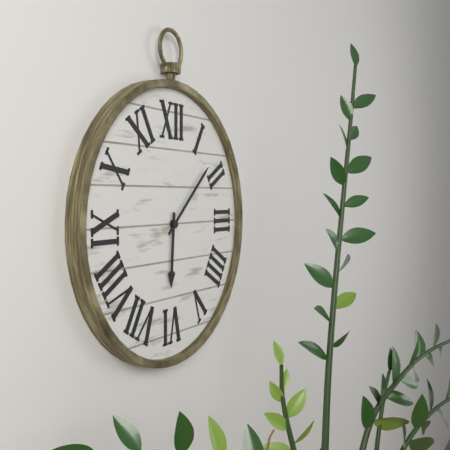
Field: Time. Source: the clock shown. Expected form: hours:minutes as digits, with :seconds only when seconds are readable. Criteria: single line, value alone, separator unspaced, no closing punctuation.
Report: 6:08
